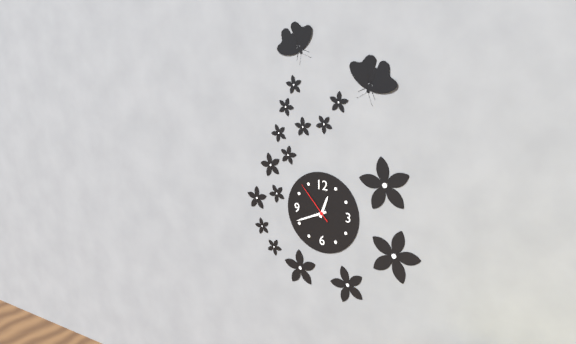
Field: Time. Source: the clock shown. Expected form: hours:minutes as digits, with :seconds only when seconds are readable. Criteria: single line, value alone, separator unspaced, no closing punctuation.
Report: 12:41
